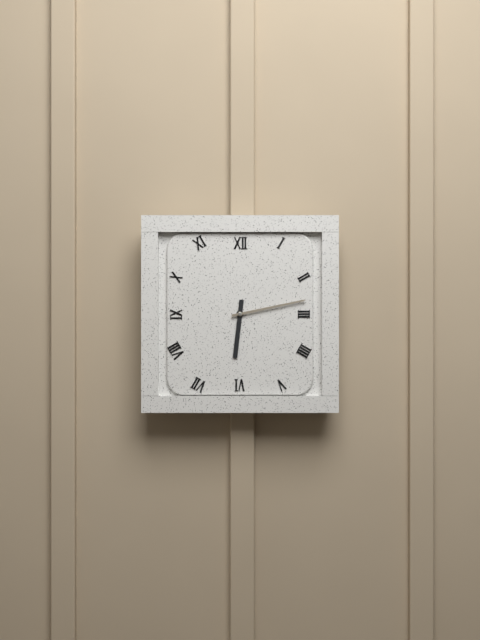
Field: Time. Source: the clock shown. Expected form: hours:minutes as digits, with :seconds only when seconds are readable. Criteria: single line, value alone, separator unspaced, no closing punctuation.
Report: 6:13
